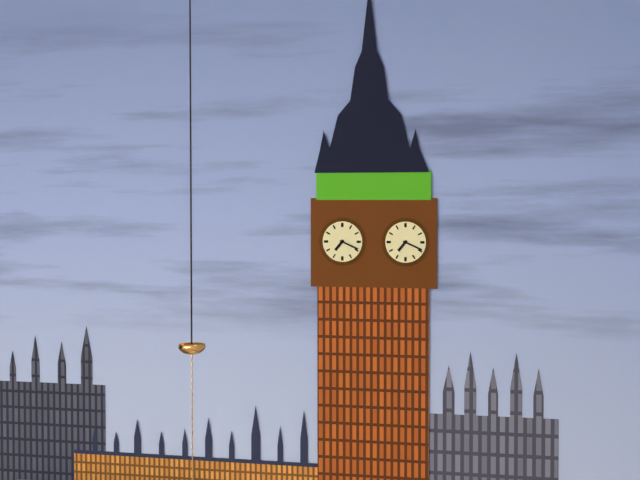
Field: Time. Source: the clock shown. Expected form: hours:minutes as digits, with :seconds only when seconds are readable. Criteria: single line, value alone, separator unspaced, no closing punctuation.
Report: 7:19
